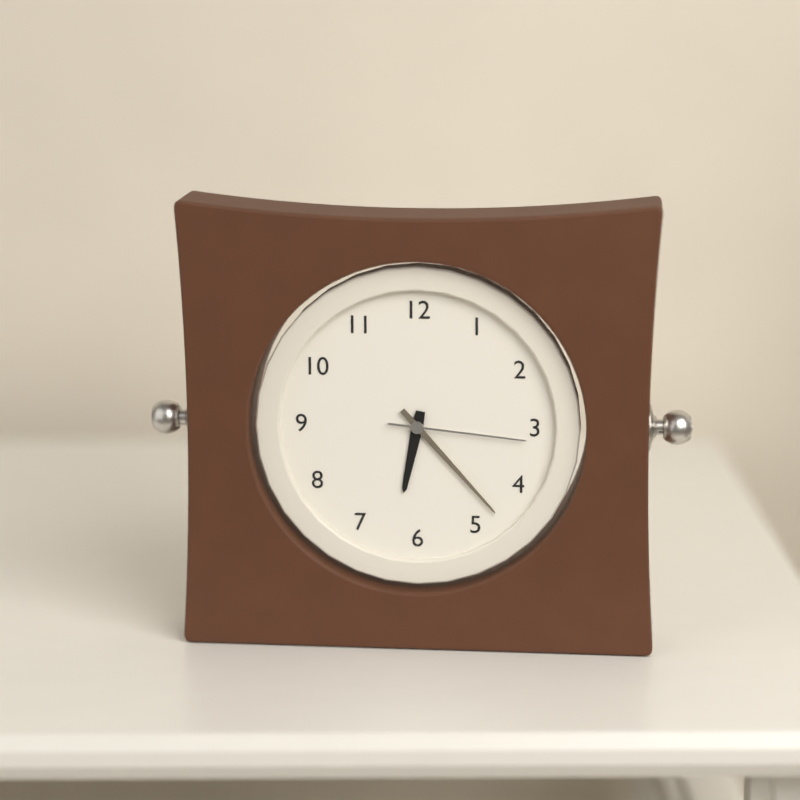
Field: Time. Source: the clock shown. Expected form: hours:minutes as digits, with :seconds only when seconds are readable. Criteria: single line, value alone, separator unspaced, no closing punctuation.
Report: 6:23:16
